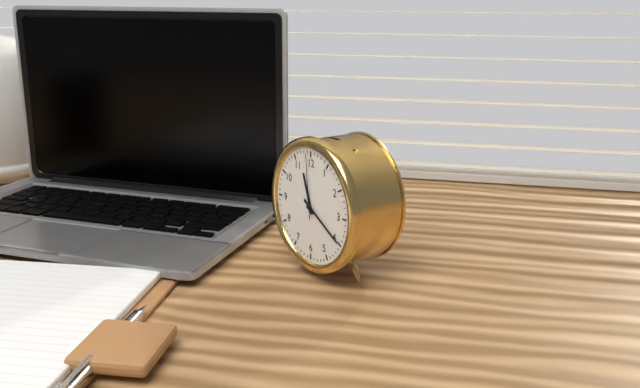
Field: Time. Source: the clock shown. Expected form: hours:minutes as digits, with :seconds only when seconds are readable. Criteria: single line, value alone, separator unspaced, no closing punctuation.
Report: 11:20:59
